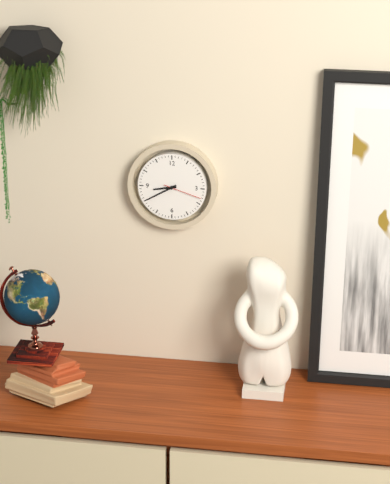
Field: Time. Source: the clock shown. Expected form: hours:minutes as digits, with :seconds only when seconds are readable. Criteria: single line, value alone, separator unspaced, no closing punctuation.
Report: 8:40
